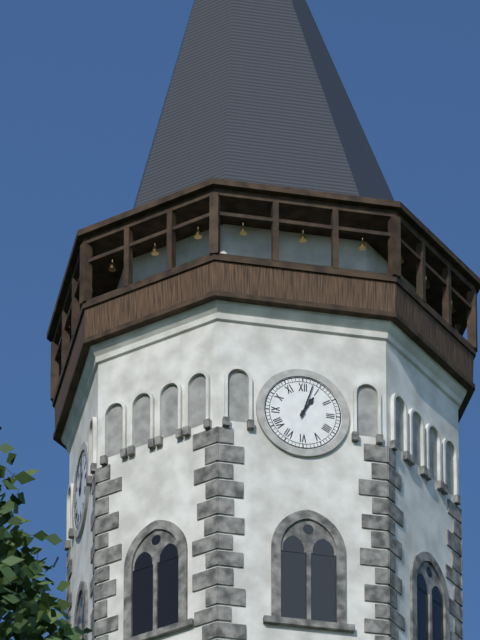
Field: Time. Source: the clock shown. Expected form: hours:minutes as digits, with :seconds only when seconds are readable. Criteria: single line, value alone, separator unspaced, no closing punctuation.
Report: 1:03
